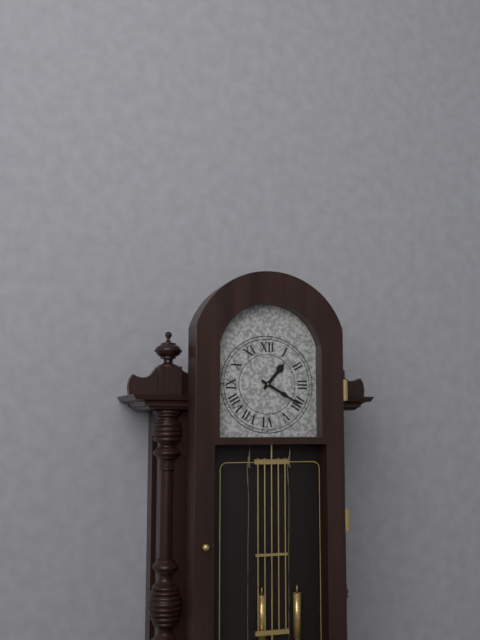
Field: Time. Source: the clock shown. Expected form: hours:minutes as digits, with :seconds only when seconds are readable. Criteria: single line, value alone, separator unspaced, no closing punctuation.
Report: 1:20
